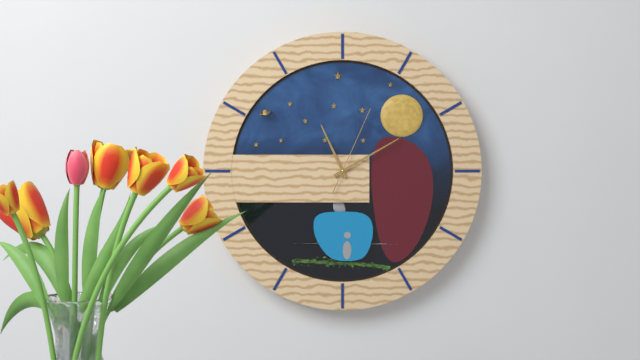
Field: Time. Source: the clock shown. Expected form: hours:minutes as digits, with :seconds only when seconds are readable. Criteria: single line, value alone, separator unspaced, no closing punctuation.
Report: 11:10:04
